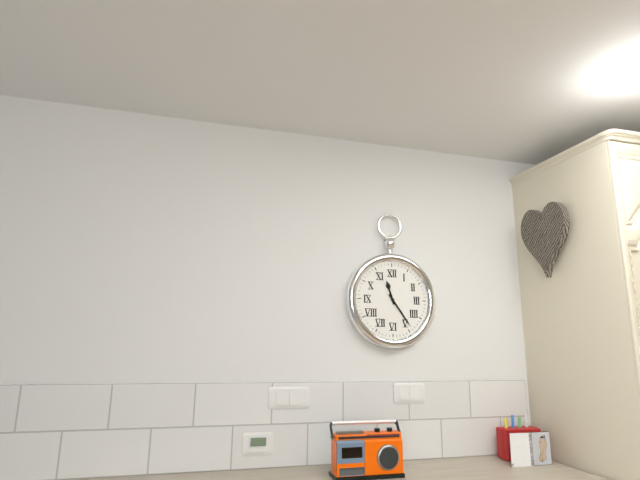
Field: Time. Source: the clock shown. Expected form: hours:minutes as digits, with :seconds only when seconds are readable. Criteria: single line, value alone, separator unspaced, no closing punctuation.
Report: 11:24
